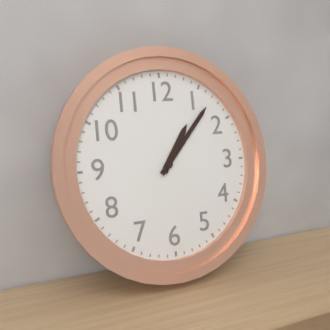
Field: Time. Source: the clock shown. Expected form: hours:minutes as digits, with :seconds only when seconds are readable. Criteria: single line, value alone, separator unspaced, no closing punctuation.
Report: 1:07
